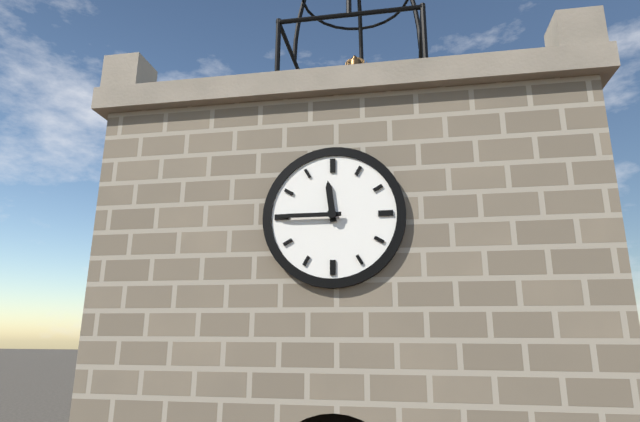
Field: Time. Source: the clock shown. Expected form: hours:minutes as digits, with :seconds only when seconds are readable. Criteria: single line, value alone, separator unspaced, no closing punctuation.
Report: 11:45
